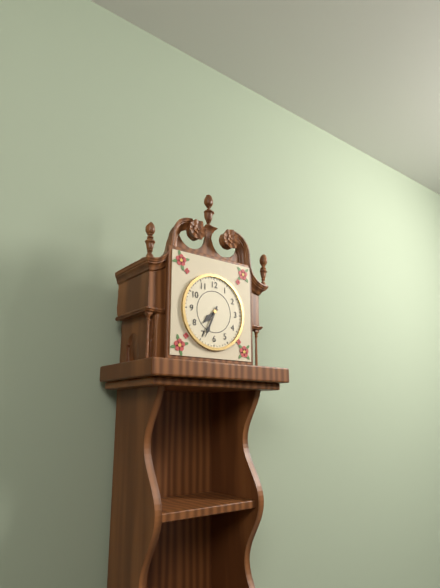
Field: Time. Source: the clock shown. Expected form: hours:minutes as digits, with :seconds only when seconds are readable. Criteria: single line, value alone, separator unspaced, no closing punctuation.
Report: 7:34
